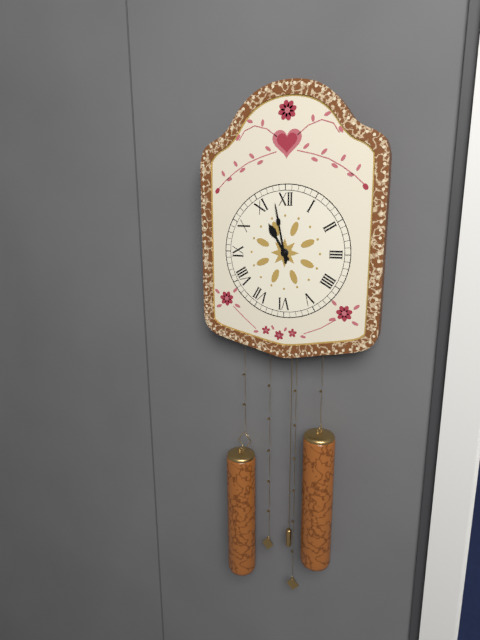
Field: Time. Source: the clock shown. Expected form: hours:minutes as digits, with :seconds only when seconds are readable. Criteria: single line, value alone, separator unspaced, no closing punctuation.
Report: 10:58
